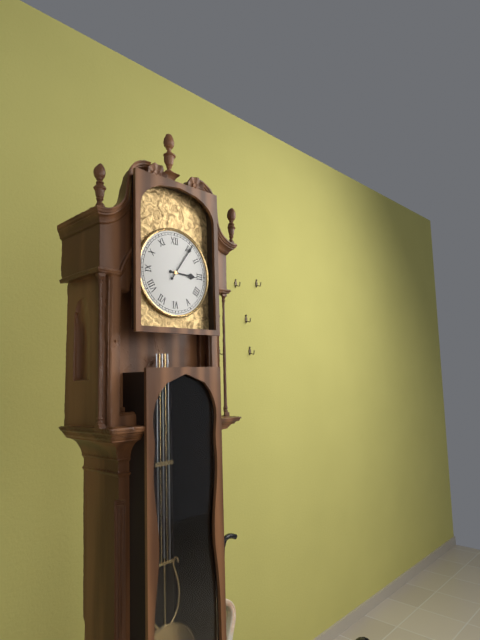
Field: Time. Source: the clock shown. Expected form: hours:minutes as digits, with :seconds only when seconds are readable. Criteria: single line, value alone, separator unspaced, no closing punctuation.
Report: 3:06
